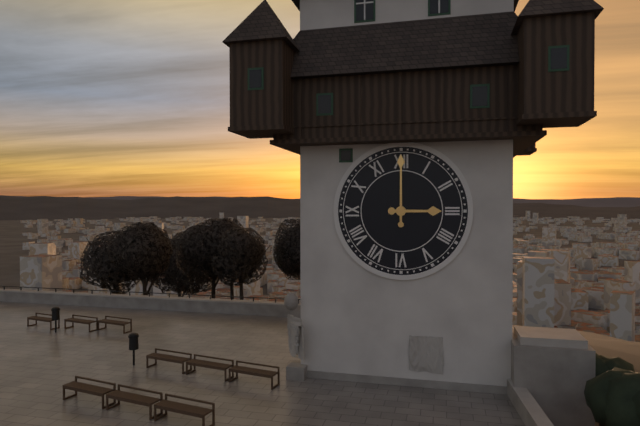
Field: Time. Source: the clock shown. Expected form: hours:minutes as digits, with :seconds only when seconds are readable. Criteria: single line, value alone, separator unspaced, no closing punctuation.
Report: 3:00
